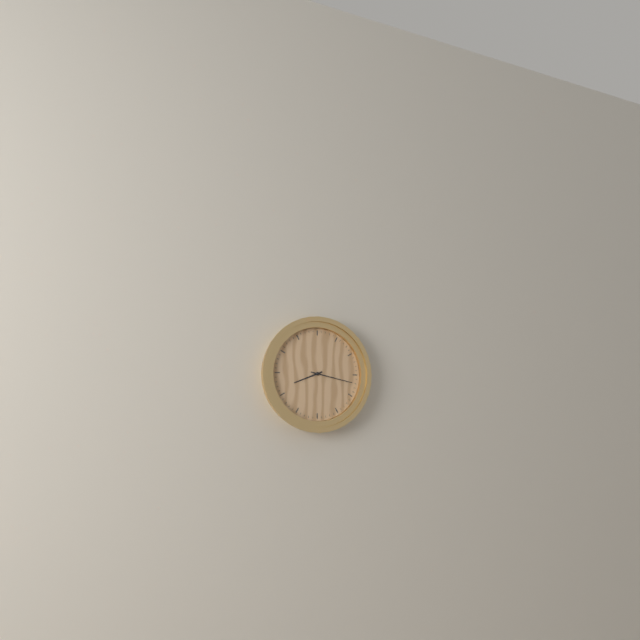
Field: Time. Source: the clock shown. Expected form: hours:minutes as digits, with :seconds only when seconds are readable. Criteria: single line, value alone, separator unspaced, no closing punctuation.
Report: 8:17
